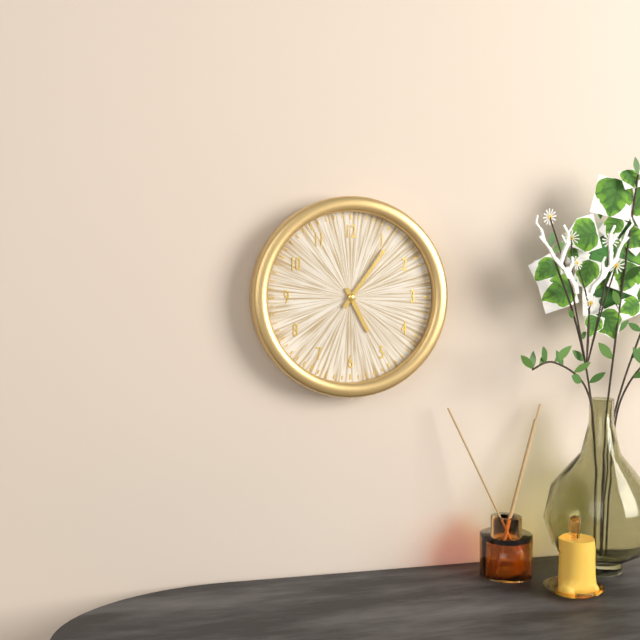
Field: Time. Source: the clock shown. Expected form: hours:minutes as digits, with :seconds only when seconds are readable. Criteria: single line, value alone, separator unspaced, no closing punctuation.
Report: 5:06
